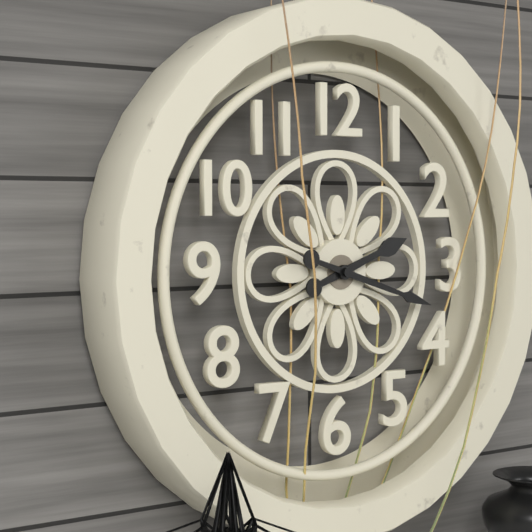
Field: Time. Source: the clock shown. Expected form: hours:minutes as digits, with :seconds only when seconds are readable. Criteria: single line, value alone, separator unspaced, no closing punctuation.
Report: 2:18
